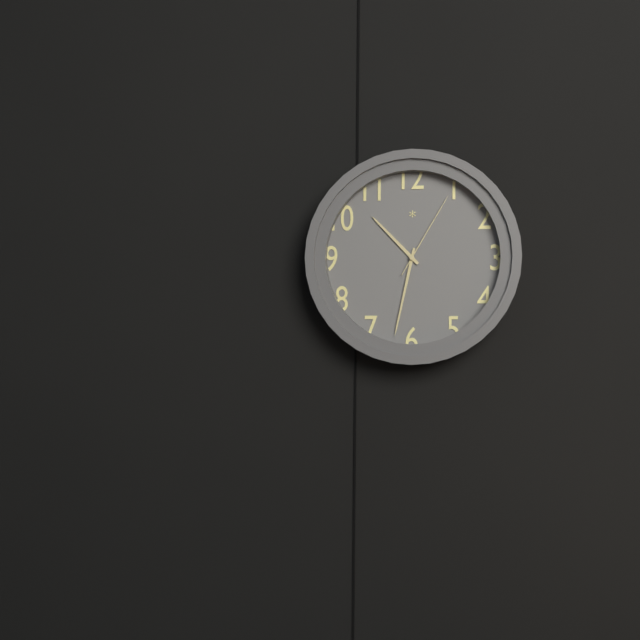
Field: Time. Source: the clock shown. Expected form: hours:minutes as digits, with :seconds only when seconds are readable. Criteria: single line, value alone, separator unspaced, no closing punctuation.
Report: 10:32:05
